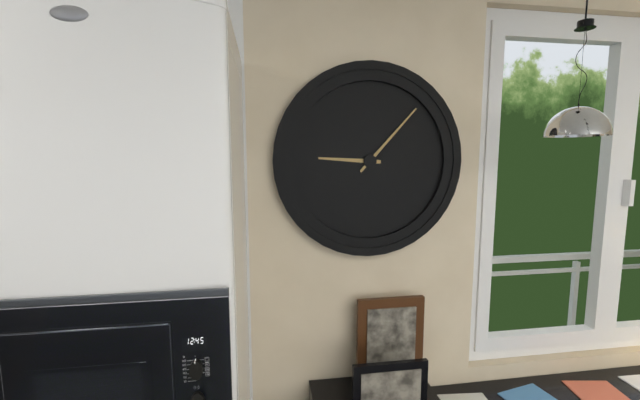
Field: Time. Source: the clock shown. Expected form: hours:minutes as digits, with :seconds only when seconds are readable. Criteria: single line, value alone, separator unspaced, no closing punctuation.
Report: 9:07
